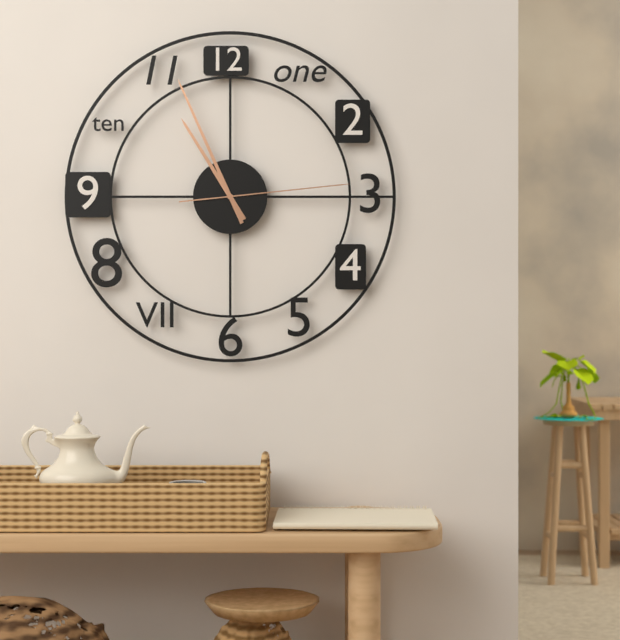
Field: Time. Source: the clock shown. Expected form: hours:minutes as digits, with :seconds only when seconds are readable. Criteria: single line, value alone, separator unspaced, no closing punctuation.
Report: 10:56:14
